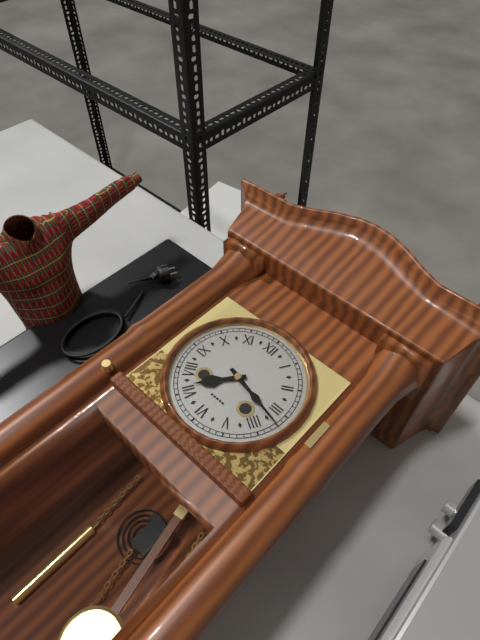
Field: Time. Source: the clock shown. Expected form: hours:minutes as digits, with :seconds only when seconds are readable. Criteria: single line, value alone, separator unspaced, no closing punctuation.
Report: 7:17
